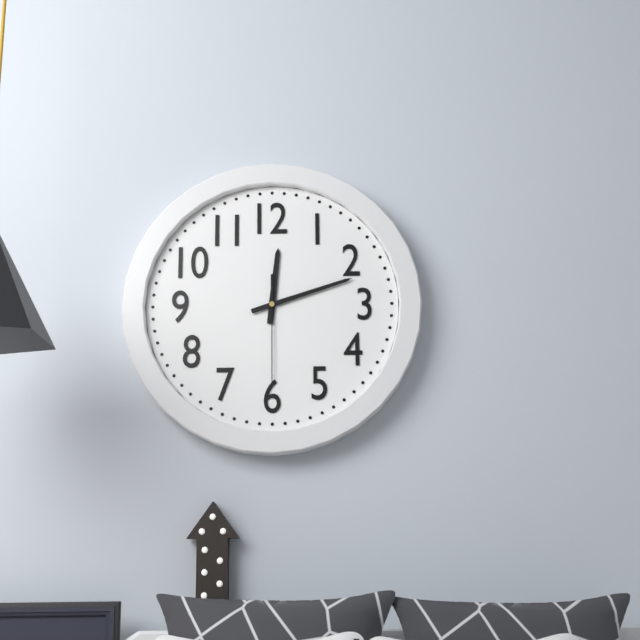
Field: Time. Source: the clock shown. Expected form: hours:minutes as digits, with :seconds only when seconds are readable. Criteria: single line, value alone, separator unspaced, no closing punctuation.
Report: 12:12:30
